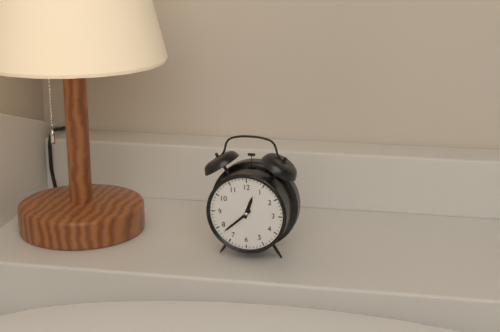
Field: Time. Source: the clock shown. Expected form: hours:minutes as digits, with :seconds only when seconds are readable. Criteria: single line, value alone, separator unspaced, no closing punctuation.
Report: 12:38
